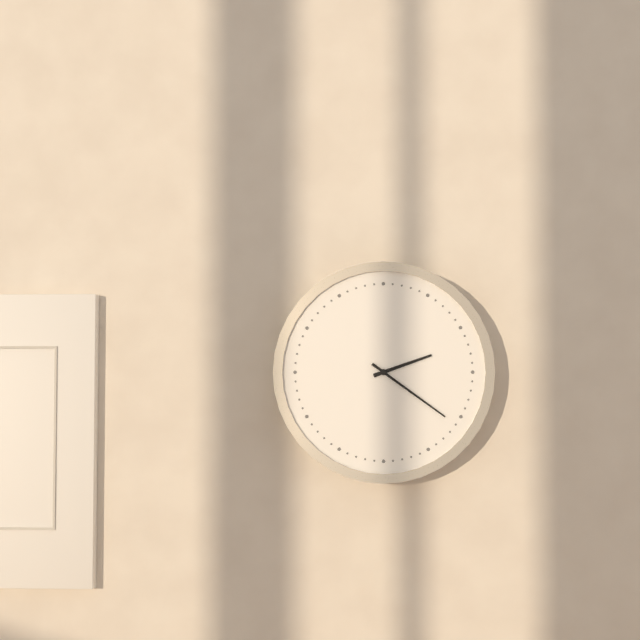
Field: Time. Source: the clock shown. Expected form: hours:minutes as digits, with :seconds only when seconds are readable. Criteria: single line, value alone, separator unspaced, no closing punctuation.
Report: 2:21
